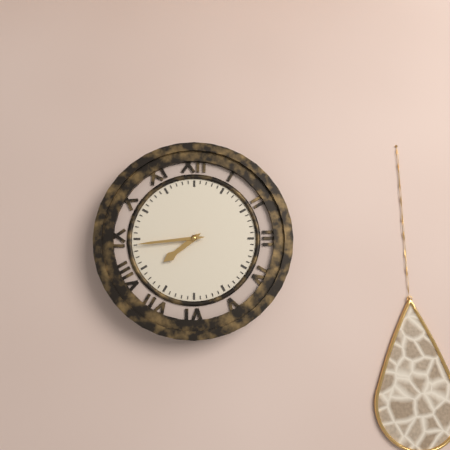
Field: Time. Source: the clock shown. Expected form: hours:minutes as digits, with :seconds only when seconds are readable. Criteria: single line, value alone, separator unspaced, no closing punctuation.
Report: 7:44
